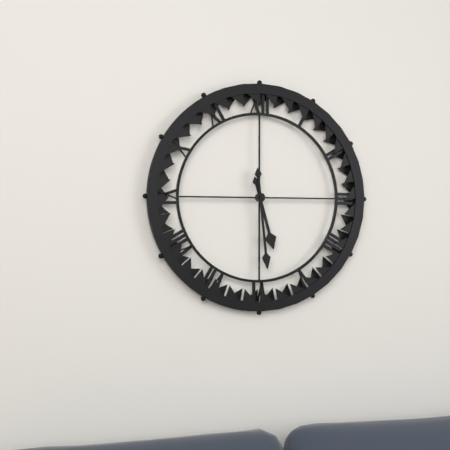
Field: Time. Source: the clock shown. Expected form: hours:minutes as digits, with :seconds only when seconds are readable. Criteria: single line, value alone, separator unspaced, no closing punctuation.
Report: 5:29
